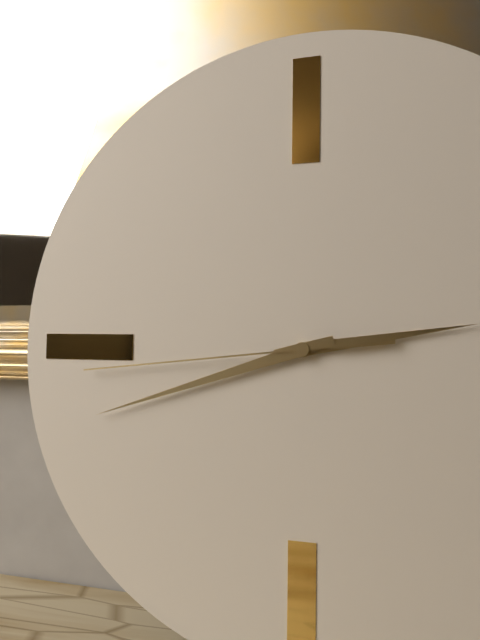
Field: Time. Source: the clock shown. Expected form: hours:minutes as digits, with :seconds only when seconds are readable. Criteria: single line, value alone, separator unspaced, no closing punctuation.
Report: 2:42:44
